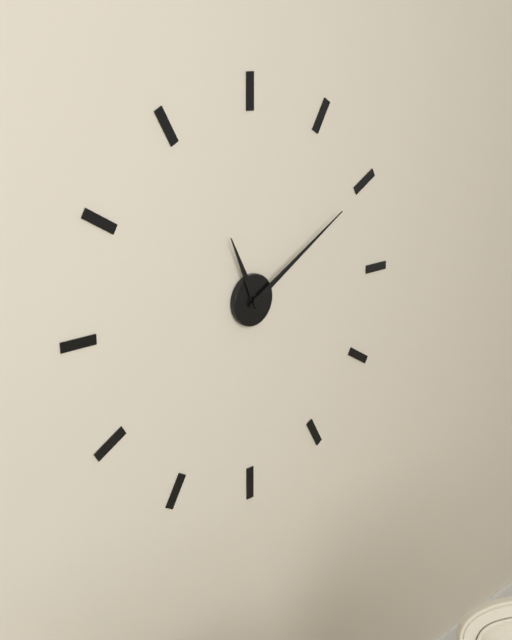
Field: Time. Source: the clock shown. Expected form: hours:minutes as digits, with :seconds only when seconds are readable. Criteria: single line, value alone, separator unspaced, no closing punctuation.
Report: 11:10
